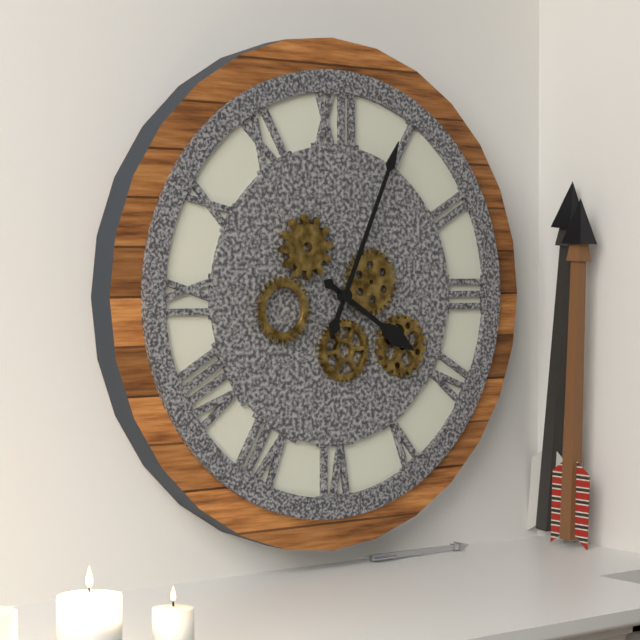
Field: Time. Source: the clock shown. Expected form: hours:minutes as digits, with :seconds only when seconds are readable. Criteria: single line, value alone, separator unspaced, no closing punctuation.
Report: 4:04
